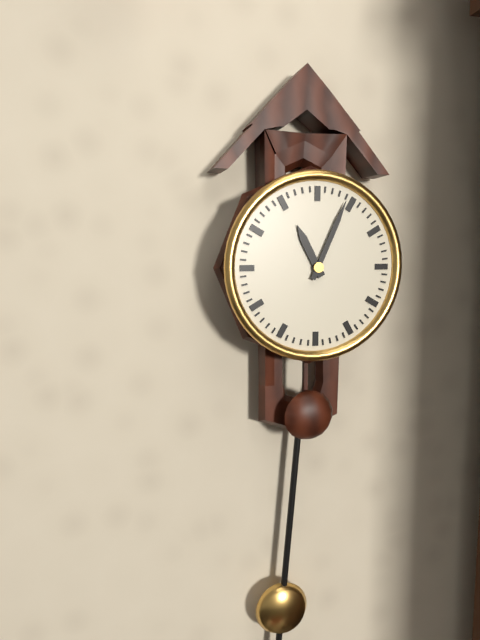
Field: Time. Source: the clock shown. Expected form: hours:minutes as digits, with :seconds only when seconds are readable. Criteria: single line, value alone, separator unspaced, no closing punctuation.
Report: 11:04
